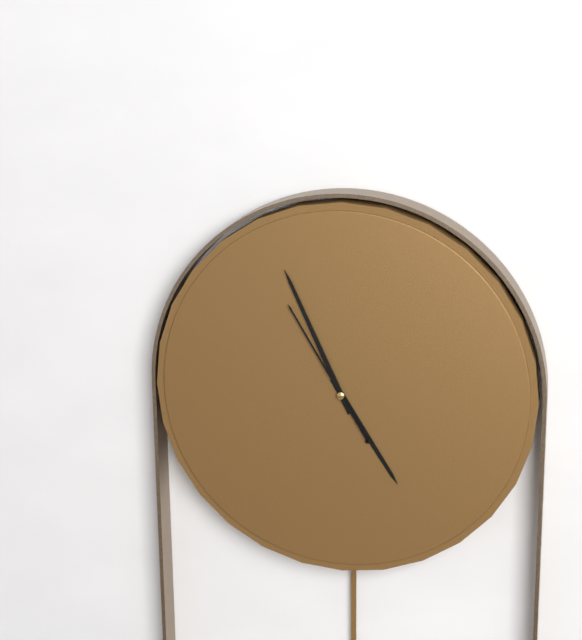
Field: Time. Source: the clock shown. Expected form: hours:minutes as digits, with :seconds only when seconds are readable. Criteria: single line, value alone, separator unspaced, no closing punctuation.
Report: 4:56:55
